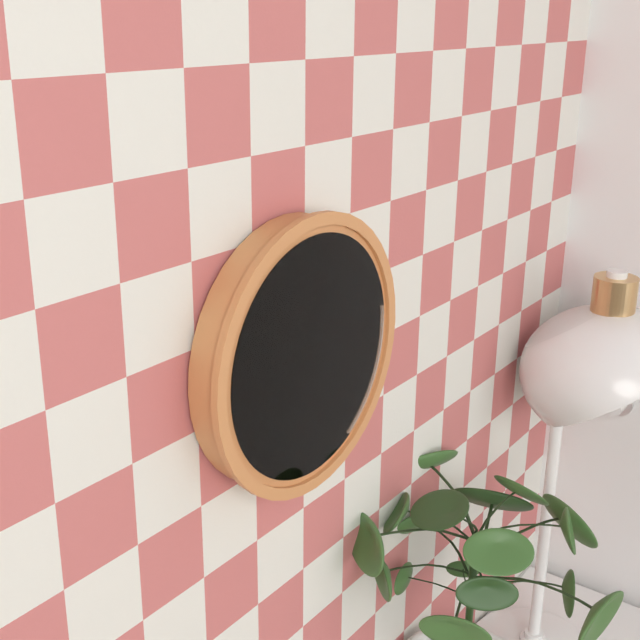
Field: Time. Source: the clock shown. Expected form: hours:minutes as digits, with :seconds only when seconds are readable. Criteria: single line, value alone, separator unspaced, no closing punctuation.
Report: 4:57
